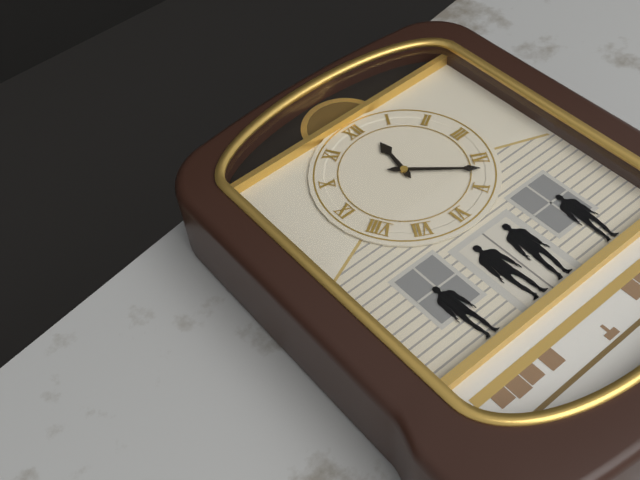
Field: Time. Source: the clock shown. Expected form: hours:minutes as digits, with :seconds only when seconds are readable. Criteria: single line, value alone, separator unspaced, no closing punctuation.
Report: 12:22
